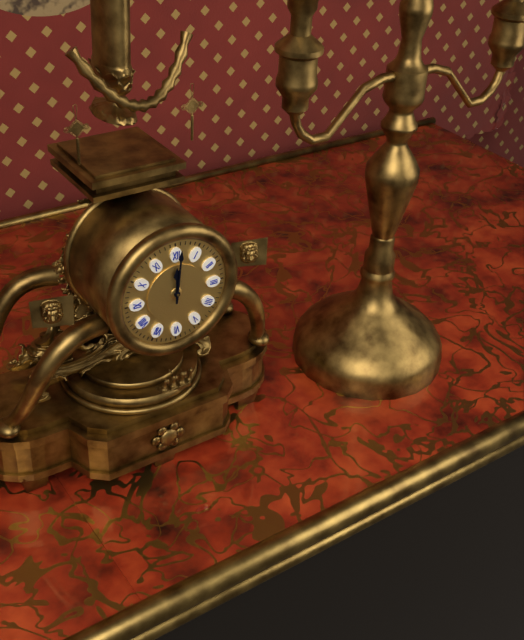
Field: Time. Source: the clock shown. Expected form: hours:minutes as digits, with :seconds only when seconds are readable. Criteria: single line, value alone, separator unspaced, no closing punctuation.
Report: 12:01
